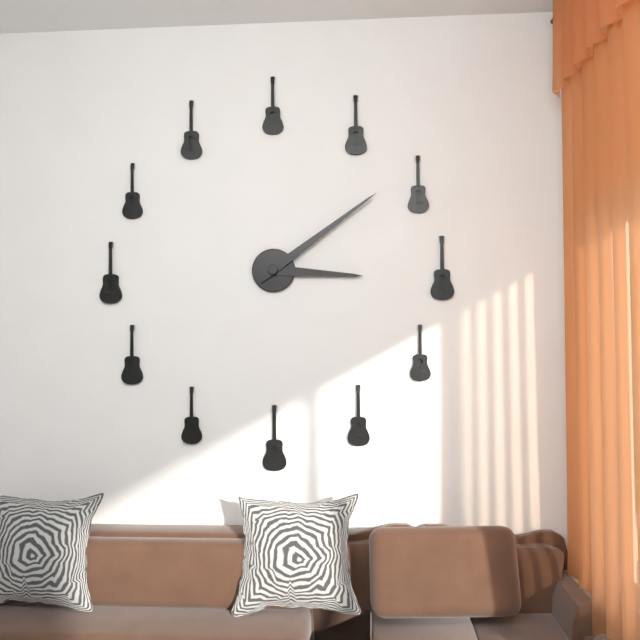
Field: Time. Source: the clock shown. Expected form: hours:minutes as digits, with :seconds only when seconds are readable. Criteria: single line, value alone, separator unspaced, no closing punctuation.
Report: 3:09
